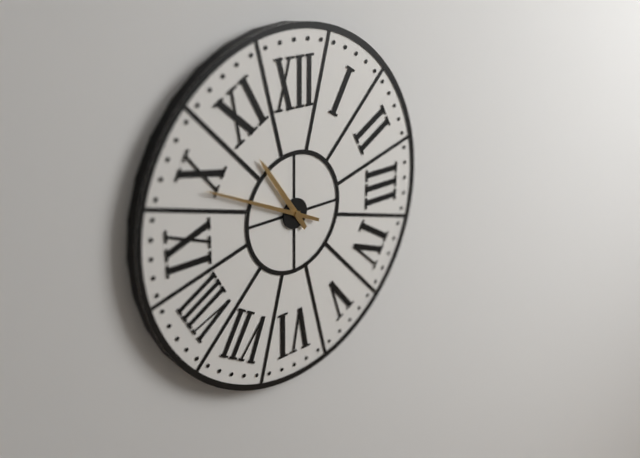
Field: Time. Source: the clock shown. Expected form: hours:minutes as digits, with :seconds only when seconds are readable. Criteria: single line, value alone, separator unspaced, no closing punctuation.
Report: 10:49
